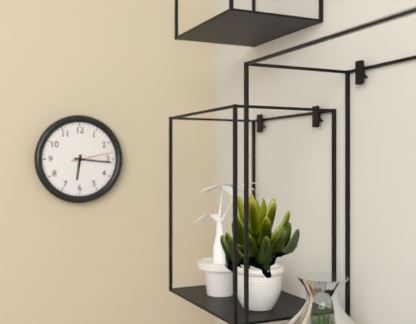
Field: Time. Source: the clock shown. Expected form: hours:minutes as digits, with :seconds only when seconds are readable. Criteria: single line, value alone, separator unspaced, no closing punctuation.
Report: 6:16
